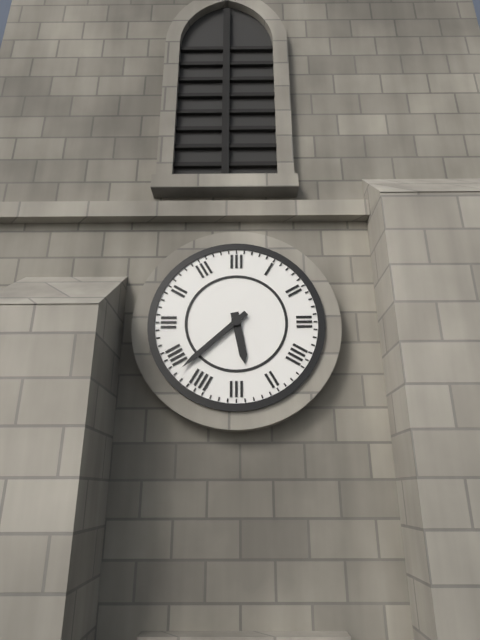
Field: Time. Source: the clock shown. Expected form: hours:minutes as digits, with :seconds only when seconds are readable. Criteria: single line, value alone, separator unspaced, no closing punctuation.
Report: 5:38
